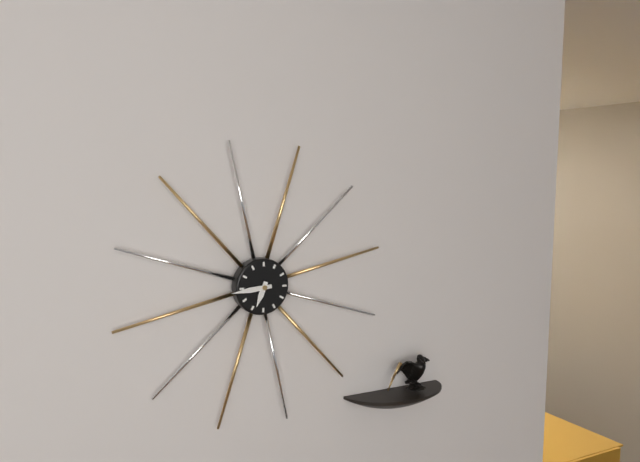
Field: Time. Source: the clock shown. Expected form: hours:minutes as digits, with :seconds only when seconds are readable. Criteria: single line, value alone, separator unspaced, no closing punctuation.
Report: 6:44
